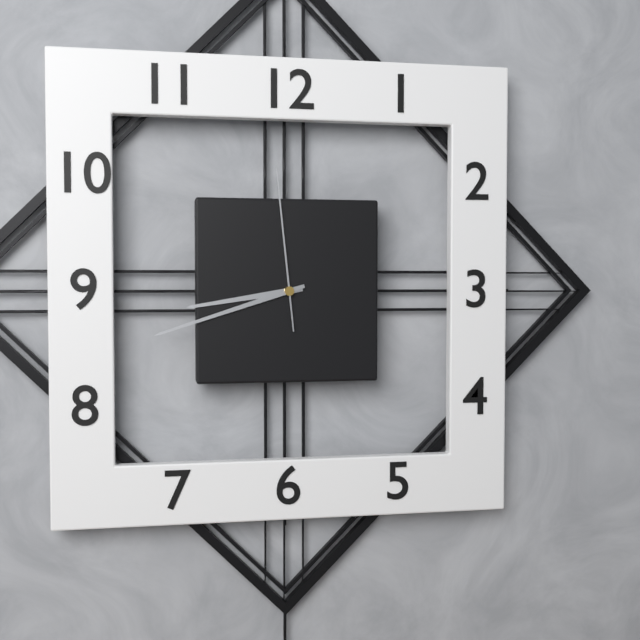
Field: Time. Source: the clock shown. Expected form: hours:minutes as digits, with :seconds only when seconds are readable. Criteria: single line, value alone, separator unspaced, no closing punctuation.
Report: 8:42:59
